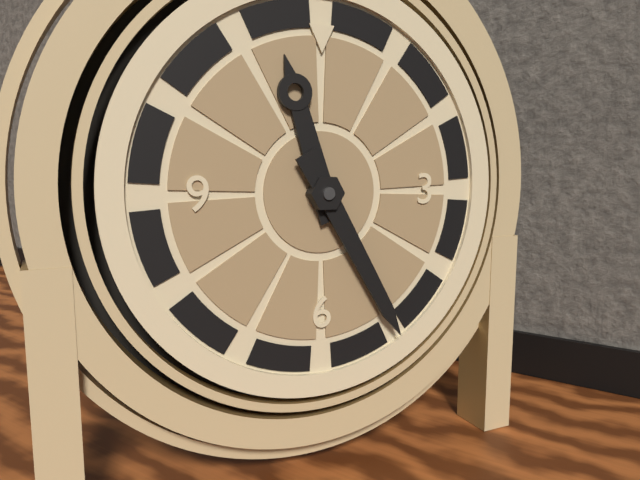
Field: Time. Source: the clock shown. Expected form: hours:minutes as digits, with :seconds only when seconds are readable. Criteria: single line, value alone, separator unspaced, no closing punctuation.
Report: 11:25
